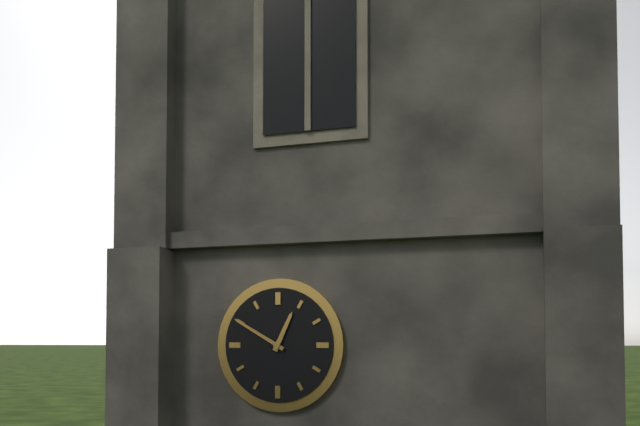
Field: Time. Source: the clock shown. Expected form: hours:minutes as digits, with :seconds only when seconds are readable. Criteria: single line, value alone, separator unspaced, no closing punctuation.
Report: 12:50
